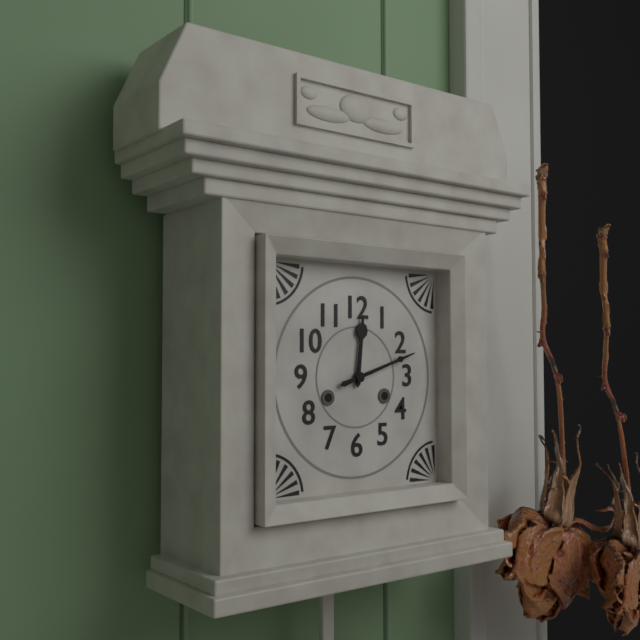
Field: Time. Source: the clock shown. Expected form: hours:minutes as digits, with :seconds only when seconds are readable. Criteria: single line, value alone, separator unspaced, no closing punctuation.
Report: 12:12
